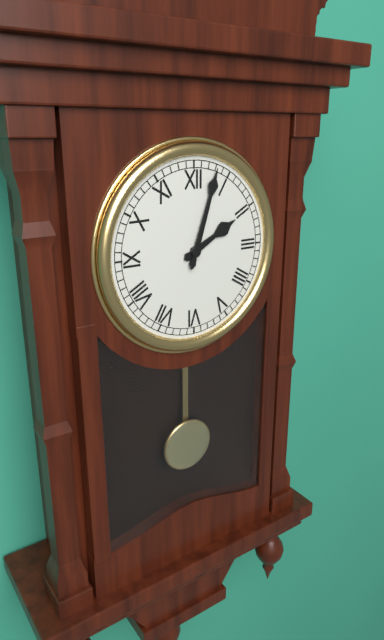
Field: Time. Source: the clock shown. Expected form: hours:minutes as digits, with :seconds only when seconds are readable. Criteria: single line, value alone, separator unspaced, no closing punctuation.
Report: 2:03
